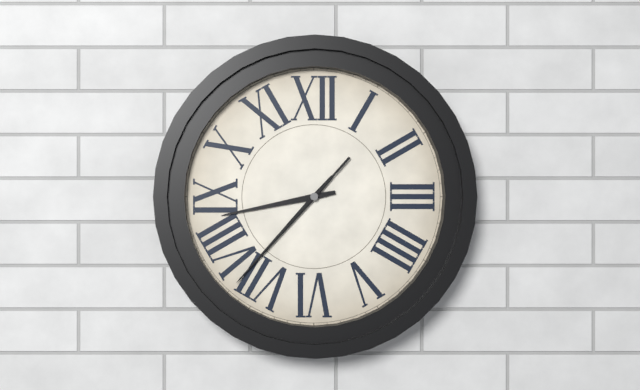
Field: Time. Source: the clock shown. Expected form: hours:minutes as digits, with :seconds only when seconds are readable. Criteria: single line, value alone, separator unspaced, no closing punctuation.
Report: 8:37:37
